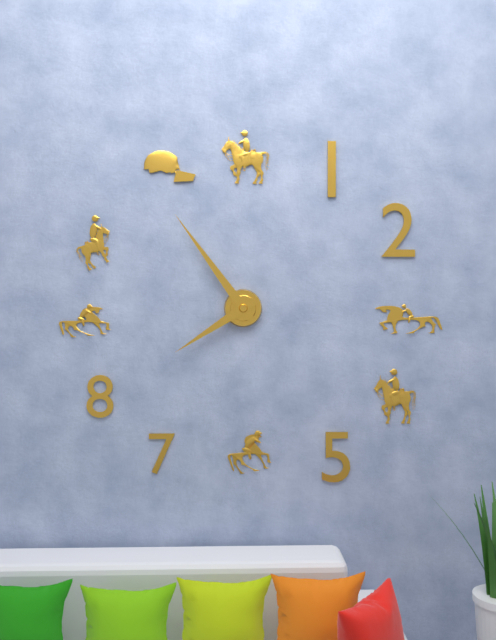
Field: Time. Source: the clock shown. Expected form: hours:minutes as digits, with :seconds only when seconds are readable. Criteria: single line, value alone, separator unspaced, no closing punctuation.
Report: 7:54
